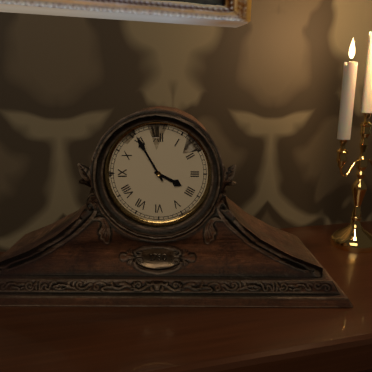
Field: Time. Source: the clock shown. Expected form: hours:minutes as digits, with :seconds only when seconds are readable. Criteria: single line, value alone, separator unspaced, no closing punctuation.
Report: 3:55
